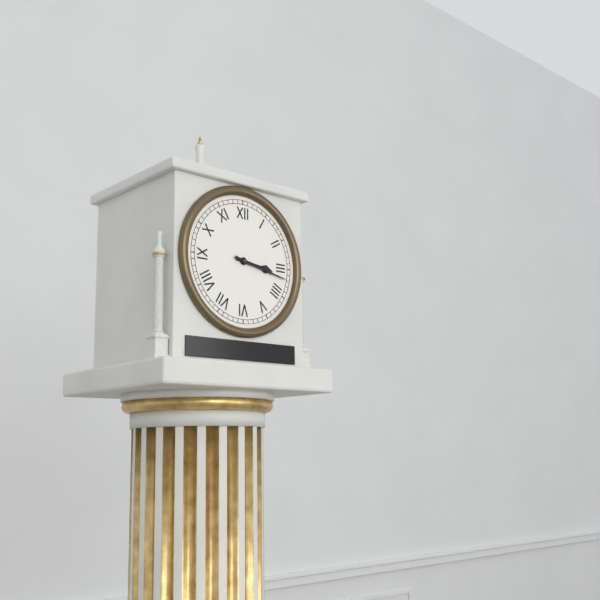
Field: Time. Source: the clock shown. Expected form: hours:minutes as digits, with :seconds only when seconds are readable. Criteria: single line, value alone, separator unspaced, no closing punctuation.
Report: 3:17
